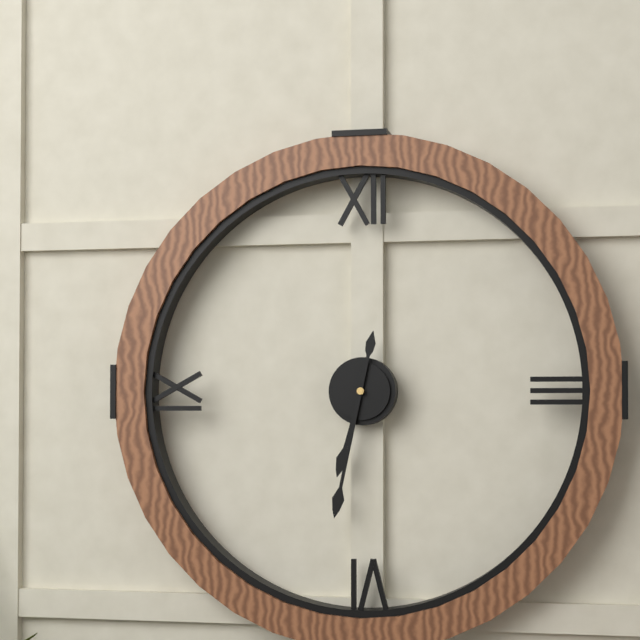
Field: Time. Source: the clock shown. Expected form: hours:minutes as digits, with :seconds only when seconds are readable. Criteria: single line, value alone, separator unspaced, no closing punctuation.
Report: 6:32
